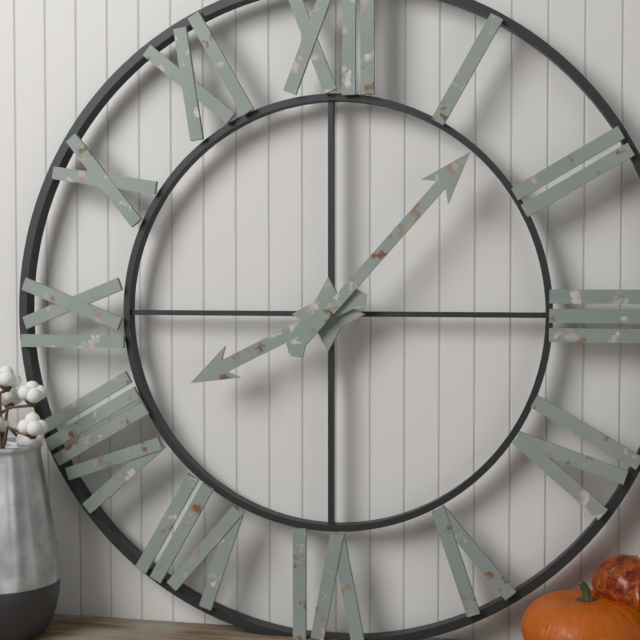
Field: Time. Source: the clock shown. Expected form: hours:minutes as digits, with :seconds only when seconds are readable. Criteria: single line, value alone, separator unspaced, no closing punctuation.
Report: 8:07
